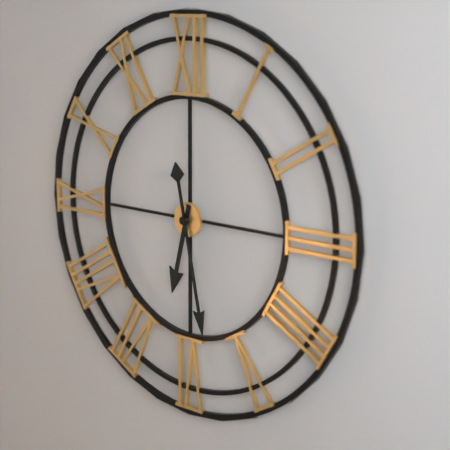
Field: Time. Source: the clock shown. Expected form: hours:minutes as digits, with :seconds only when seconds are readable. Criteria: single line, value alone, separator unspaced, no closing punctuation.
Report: 6:28
